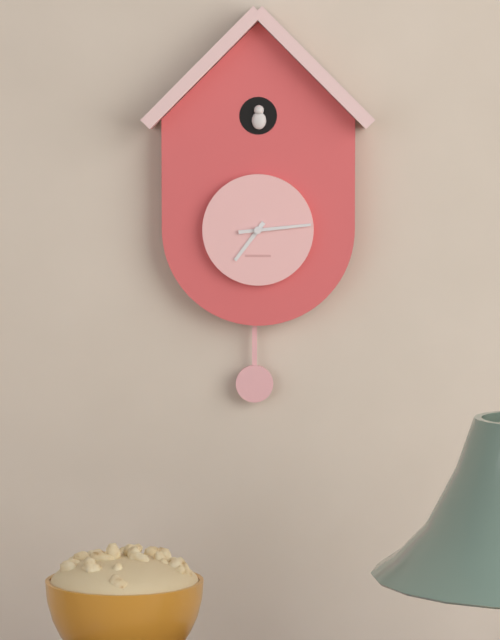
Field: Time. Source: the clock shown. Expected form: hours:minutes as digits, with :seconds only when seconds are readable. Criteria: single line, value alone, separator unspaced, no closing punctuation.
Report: 7:14
